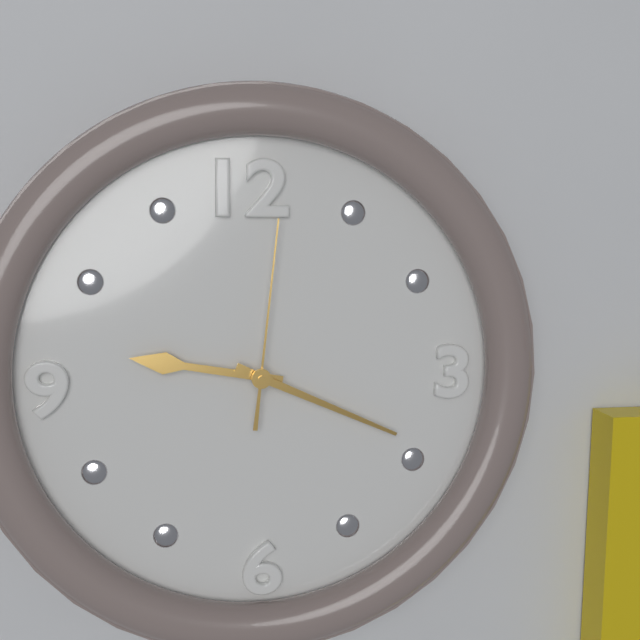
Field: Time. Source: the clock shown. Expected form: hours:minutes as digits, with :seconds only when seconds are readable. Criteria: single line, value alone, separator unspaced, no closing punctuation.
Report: 9:19:01
